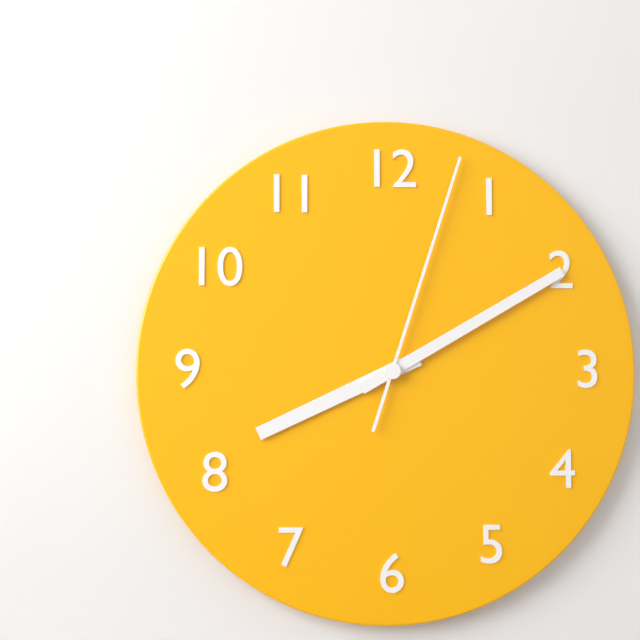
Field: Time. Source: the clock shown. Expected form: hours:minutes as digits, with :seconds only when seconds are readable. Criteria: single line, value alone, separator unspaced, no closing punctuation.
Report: 8:10:03
